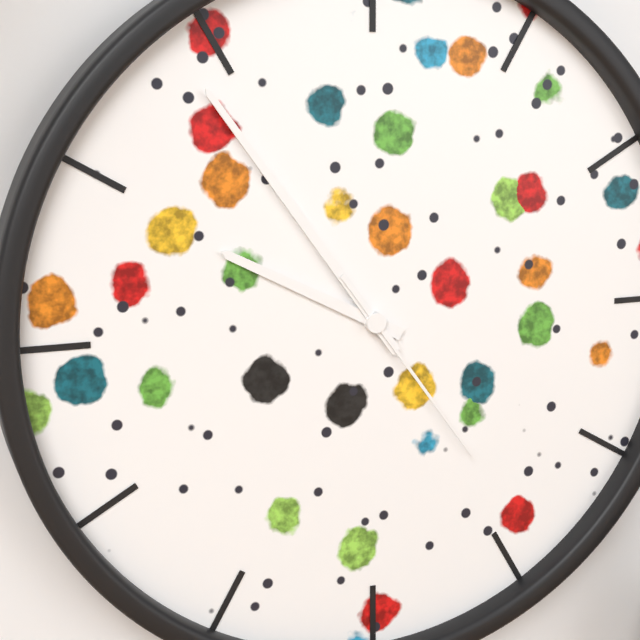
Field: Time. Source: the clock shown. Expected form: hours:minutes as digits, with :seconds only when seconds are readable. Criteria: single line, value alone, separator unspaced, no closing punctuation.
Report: 9:54:24
